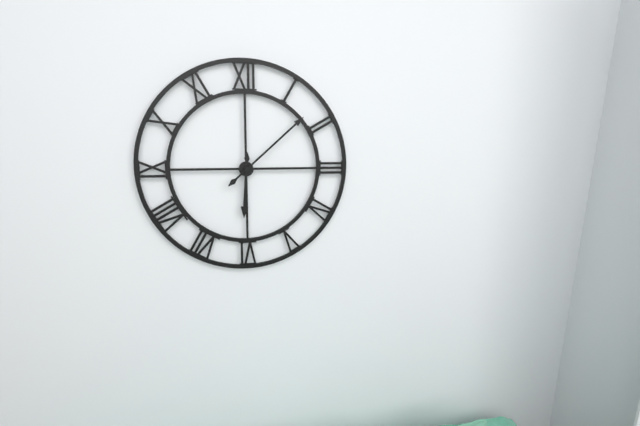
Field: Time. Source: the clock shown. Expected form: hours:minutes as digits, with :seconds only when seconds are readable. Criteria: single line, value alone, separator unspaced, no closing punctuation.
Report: 6:08
